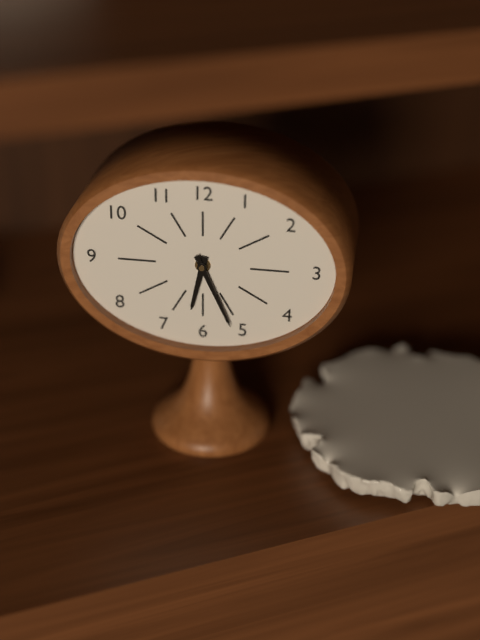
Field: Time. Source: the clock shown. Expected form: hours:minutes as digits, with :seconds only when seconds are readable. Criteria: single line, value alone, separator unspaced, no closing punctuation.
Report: 6:26
